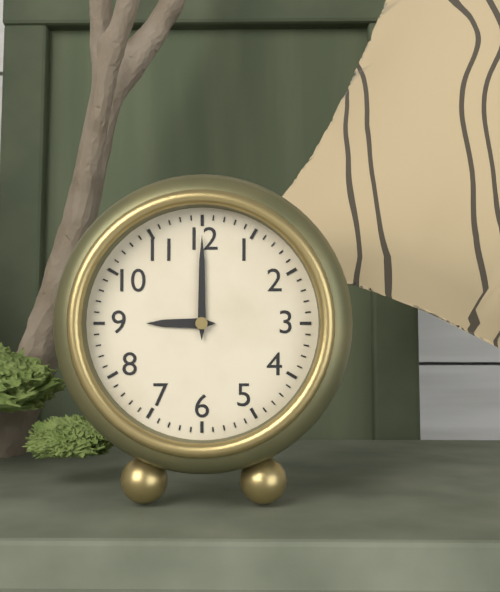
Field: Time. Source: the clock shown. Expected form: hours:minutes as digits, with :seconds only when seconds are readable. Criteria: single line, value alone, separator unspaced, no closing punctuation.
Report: 9:00
